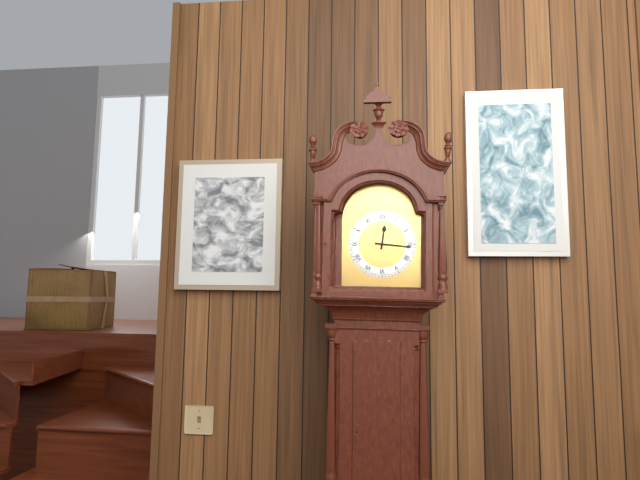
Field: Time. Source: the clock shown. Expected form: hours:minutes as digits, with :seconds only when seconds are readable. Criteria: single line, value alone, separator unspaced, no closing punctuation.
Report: 12:16
